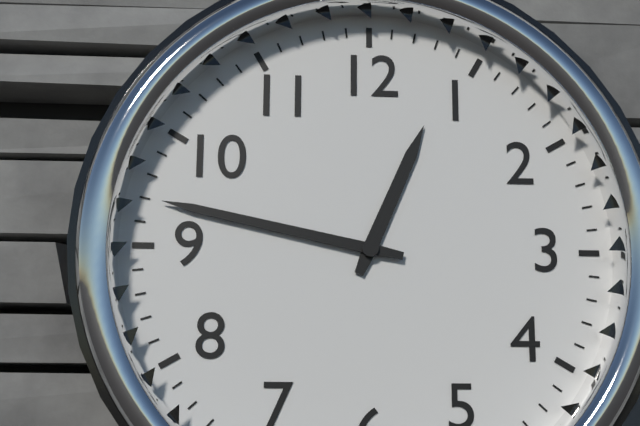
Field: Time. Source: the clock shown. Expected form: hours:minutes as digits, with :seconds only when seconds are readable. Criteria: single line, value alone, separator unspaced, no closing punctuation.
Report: 12:47
